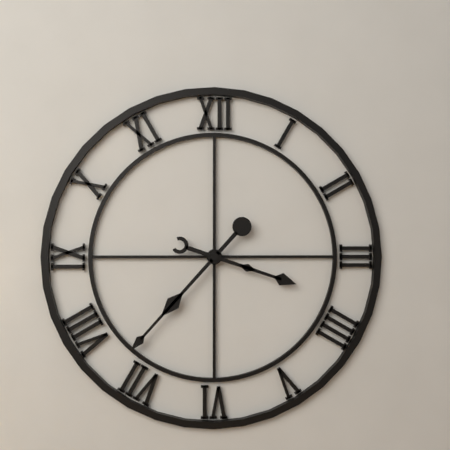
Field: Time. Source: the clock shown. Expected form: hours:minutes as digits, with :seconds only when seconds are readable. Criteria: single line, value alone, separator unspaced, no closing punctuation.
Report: 3:37
